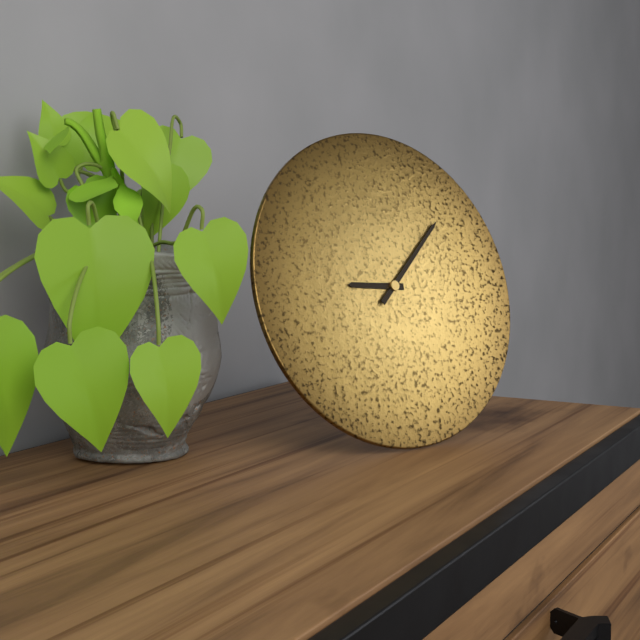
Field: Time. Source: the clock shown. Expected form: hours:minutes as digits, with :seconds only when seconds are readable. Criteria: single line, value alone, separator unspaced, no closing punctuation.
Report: 9:08
